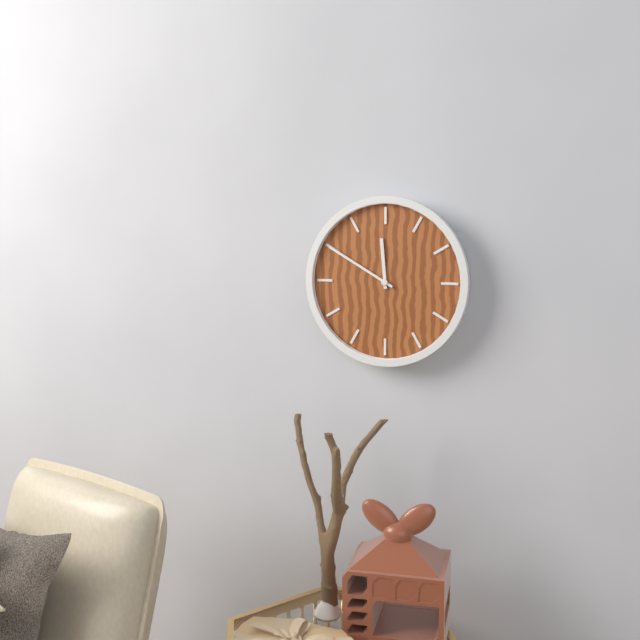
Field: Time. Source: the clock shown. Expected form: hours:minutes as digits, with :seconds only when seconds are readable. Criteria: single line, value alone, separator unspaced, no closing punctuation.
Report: 11:50
